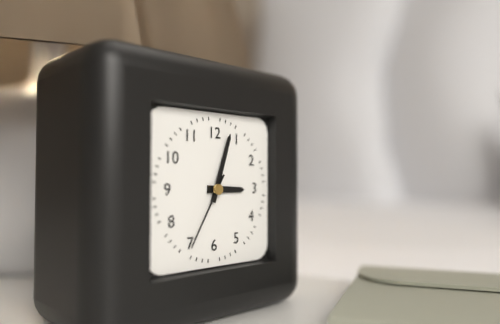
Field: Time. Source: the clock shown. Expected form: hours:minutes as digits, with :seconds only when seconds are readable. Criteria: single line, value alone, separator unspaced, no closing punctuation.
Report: 3:03:35
